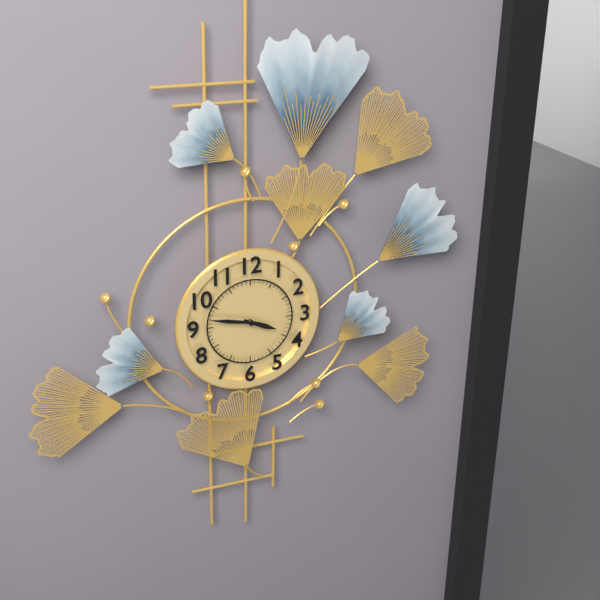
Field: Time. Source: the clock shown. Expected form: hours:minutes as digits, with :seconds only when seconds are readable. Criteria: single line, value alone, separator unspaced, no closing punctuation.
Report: 3:47
